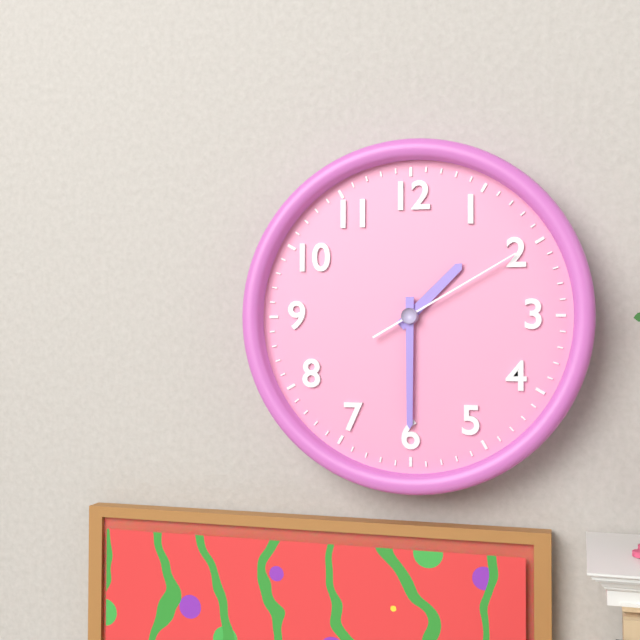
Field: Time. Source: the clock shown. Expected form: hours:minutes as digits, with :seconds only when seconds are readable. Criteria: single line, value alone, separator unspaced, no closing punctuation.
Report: 1:30:10
